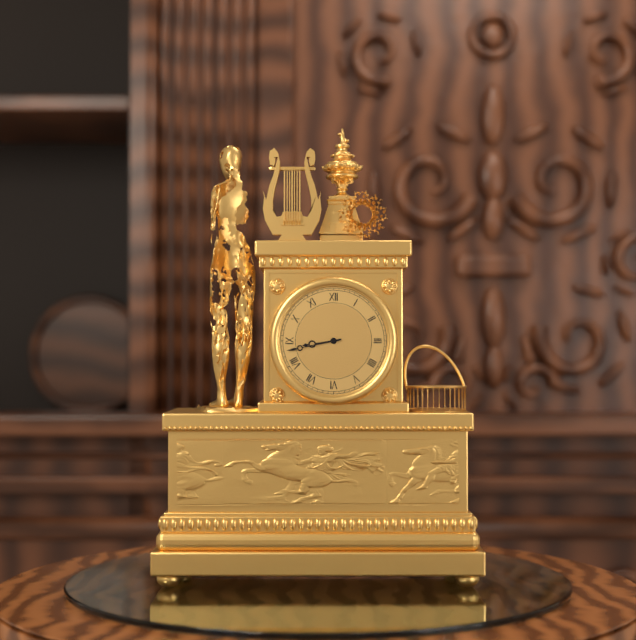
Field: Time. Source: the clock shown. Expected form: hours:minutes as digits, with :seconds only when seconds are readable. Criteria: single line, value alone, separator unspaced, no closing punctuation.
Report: 8:43
